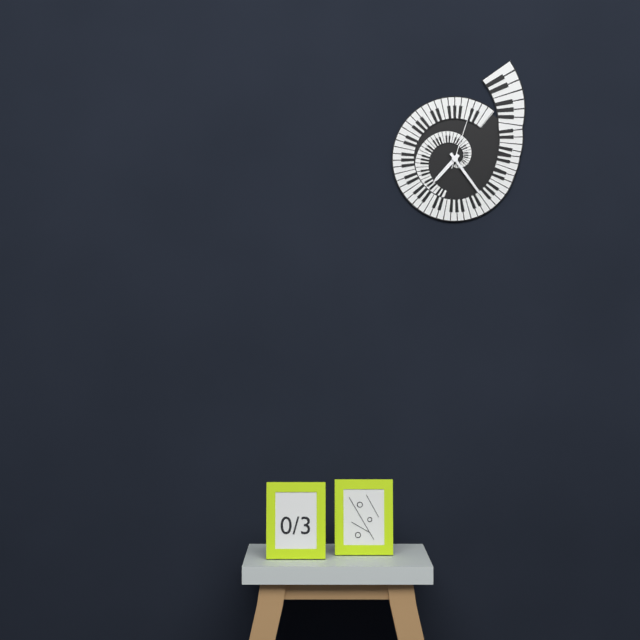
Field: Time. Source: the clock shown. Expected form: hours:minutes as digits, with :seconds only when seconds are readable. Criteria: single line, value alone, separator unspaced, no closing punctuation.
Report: 7:24:03
